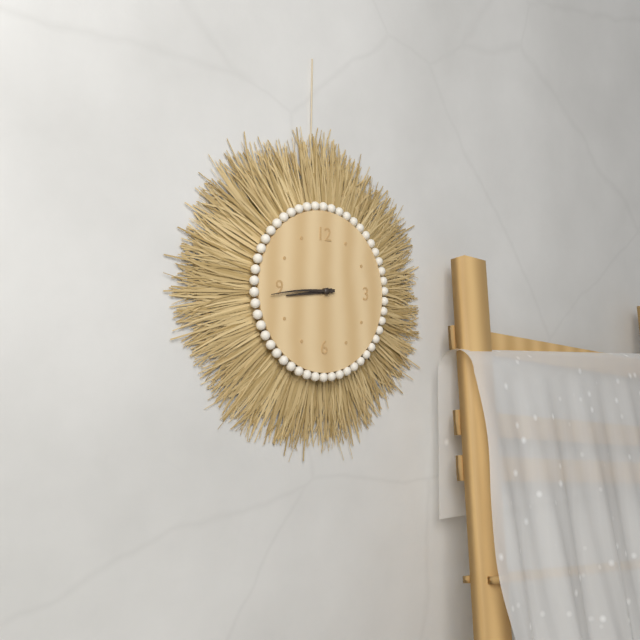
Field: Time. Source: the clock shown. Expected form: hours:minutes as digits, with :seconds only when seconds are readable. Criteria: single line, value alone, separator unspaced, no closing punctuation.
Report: 8:44
